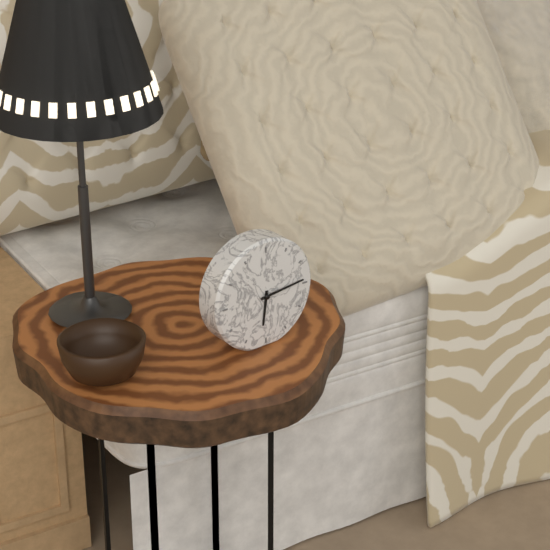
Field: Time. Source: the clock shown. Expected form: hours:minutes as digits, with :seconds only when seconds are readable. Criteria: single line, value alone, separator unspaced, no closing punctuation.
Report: 6:14
